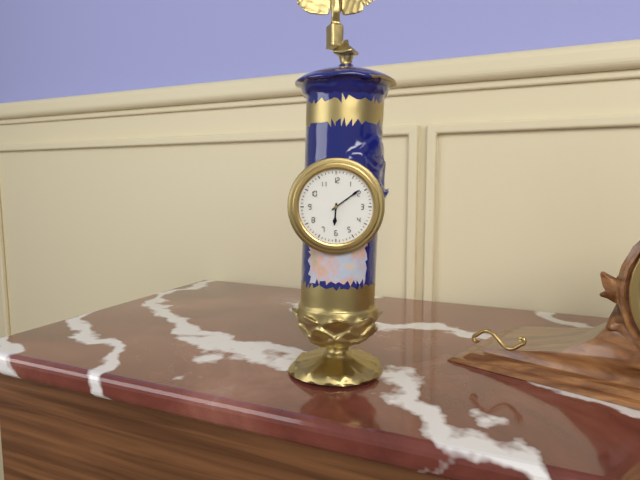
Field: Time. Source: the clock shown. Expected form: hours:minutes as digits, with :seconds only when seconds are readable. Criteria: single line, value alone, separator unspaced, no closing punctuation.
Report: 6:09
